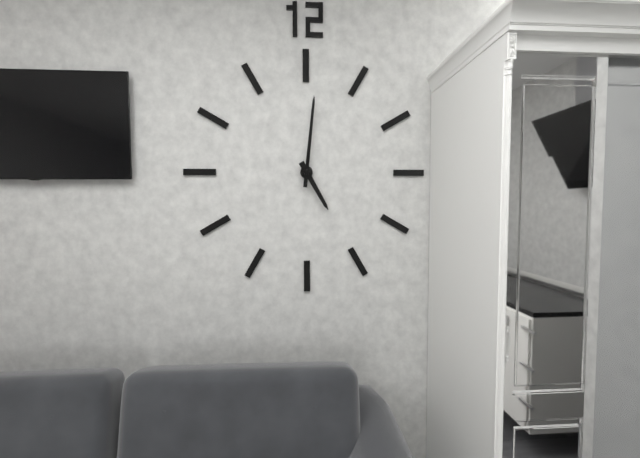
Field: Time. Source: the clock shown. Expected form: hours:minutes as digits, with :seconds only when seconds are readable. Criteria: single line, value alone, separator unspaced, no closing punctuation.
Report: 5:01
